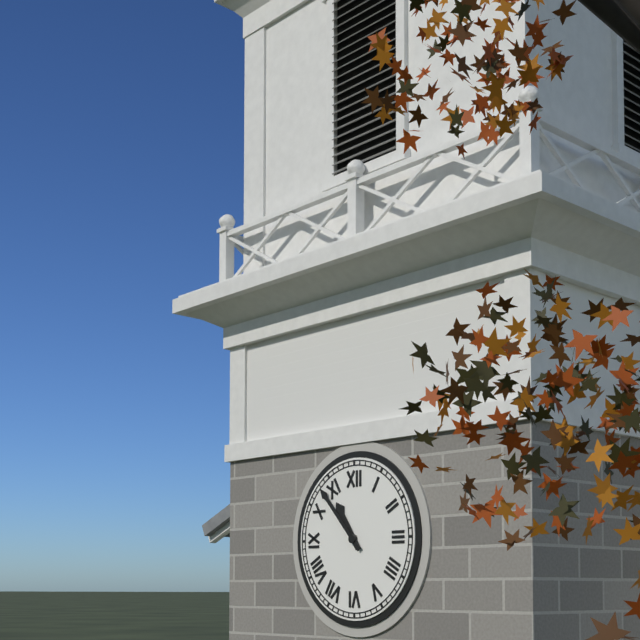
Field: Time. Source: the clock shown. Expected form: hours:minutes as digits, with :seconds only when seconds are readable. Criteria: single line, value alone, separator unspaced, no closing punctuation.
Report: 10:53
